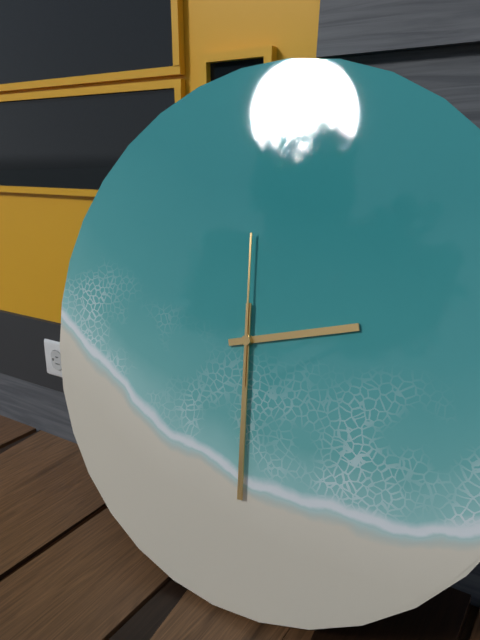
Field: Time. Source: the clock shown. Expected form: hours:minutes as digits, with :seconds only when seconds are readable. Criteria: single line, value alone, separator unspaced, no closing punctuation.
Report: 2:29:59
